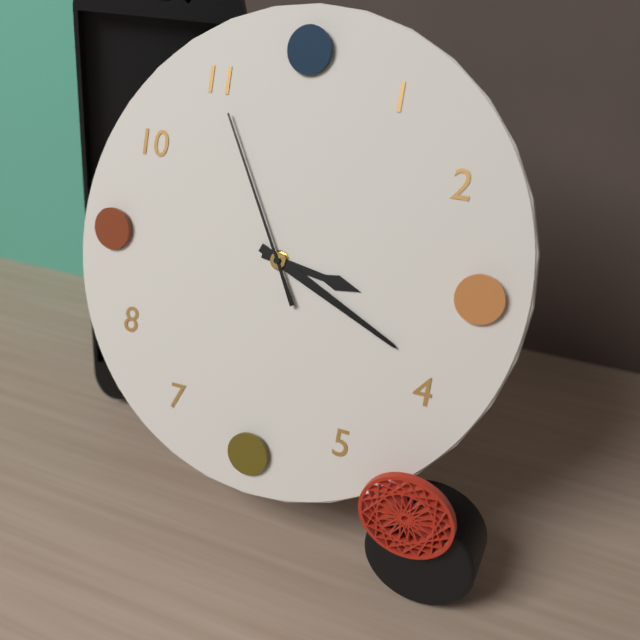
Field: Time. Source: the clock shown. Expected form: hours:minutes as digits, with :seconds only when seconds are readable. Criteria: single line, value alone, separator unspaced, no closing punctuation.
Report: 3:19:55
